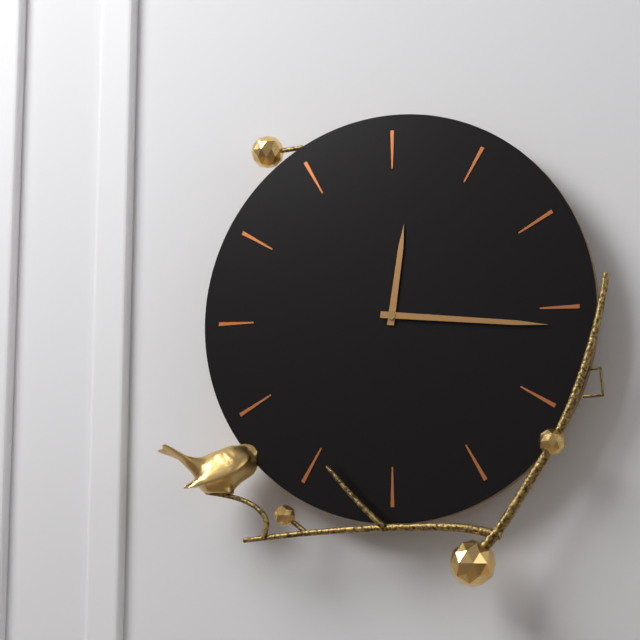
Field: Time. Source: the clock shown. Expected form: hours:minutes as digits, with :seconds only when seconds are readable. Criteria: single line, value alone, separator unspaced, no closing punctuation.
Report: 12:16
